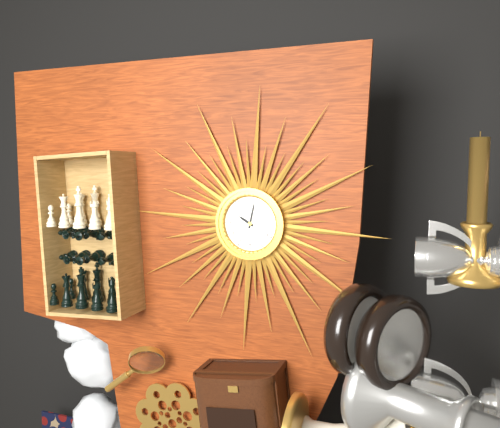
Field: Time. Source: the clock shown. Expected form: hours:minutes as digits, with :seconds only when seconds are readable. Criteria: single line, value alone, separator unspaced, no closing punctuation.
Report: 10:02
